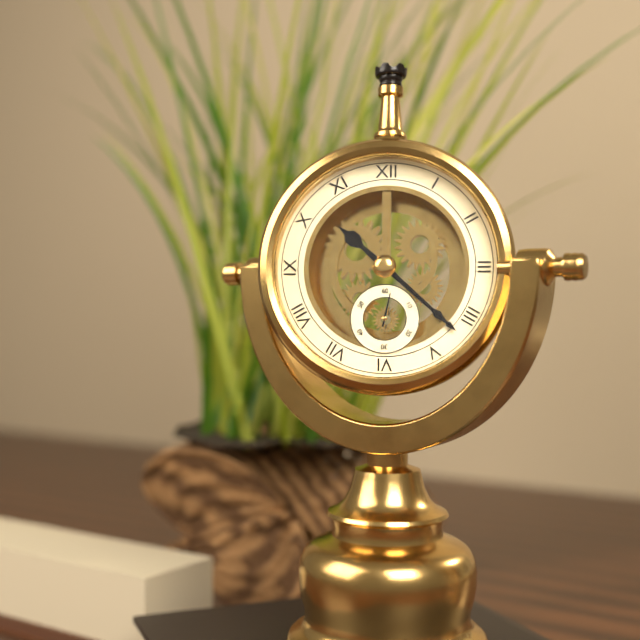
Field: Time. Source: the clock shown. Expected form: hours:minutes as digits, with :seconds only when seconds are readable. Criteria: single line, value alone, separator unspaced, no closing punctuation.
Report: 10:22
